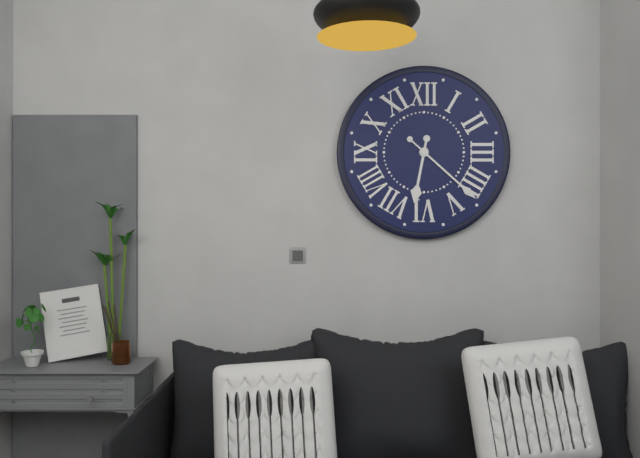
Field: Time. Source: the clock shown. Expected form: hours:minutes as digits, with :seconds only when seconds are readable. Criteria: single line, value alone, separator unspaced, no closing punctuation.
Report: 6:22
